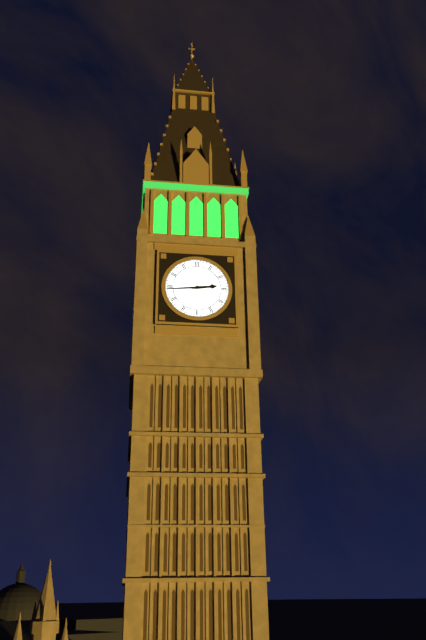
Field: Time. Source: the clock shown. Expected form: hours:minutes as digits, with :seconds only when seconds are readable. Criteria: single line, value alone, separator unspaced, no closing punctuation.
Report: 2:44
